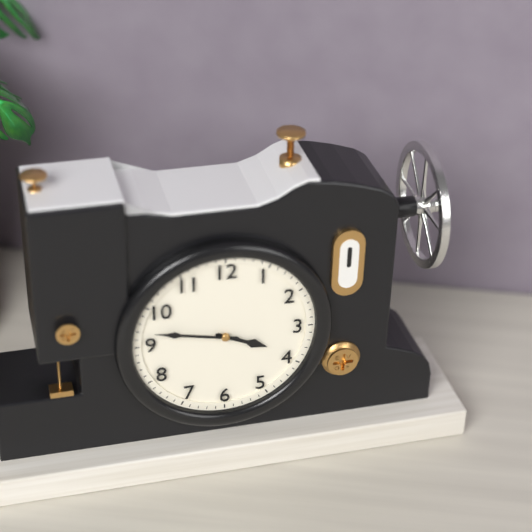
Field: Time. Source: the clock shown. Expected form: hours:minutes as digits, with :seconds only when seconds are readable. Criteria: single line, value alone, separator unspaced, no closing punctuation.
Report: 3:47
